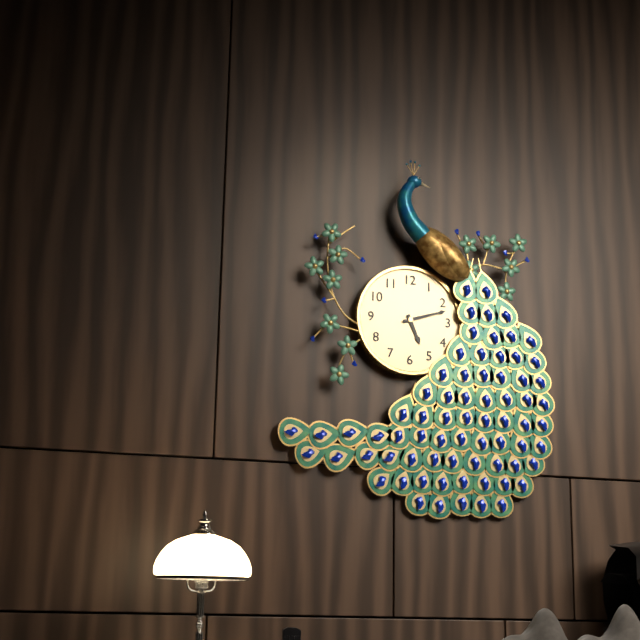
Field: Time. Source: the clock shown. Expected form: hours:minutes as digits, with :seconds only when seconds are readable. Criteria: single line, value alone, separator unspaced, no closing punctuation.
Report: 5:12
